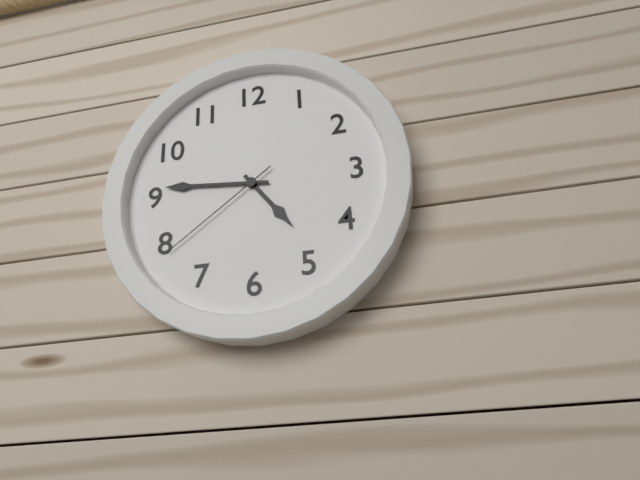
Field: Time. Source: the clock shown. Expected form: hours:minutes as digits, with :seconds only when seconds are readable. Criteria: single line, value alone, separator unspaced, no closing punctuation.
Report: 4:46:39
